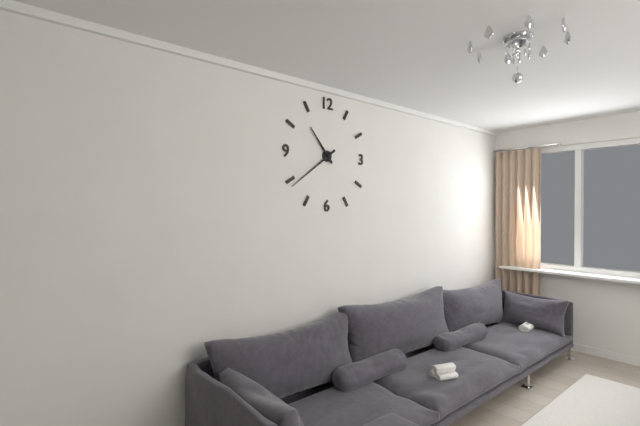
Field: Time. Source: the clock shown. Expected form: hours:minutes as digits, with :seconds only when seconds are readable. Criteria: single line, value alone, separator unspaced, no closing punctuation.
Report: 10:39
